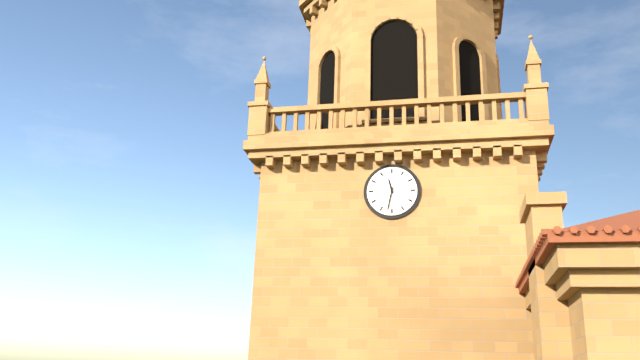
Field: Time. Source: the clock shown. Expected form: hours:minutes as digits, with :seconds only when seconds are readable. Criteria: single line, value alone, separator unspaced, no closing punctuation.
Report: 11:32
